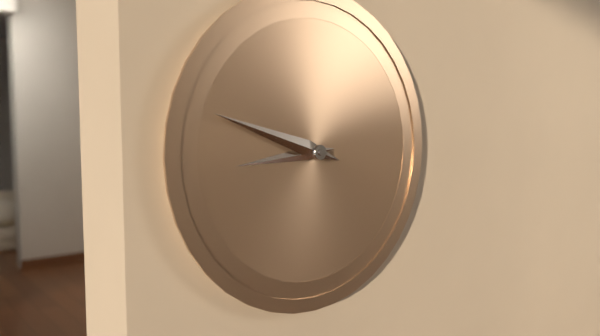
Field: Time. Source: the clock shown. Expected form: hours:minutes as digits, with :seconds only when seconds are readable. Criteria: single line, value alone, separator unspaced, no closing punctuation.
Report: 8:48
